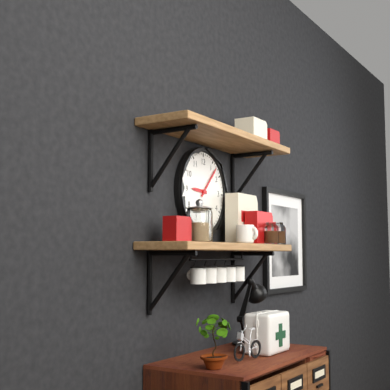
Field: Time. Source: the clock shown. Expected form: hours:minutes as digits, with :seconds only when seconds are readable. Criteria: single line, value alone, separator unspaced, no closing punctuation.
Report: 9:07
